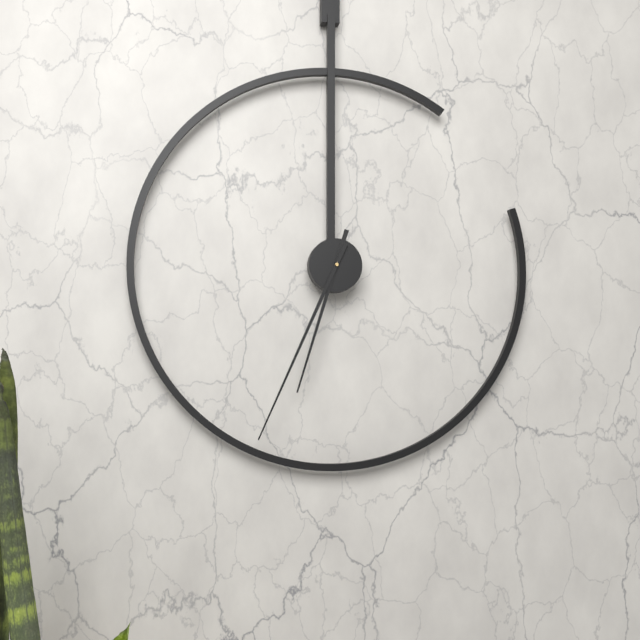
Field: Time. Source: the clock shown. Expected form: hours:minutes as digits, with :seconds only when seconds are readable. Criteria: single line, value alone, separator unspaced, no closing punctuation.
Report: 6:34
